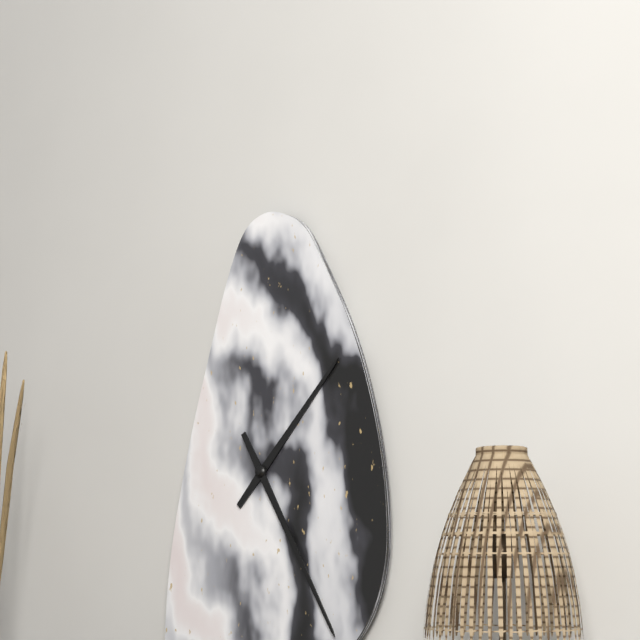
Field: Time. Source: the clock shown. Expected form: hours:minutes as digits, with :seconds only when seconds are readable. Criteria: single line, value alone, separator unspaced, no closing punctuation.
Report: 1:25
